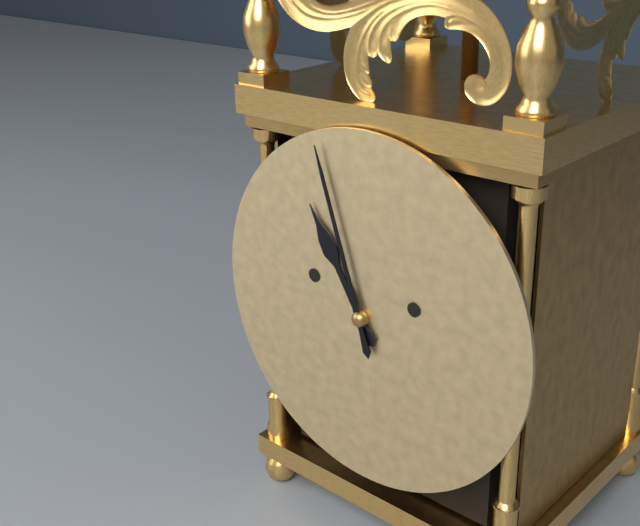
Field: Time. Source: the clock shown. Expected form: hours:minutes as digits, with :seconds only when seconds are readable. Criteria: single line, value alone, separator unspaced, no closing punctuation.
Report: 10:57
